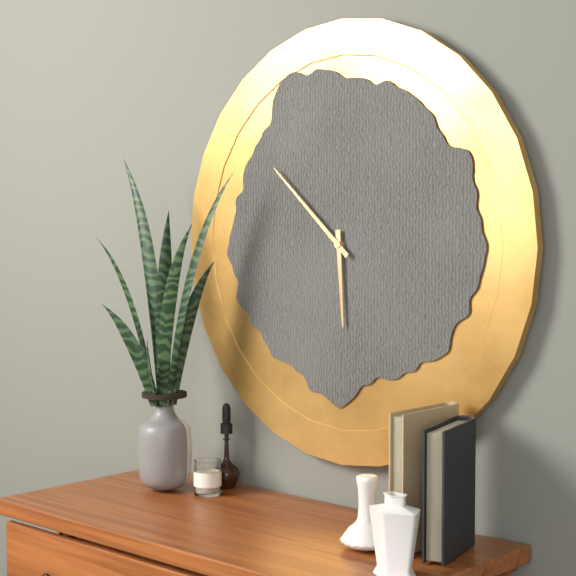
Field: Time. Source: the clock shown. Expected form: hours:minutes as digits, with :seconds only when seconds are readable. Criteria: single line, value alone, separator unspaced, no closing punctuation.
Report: 5:52
